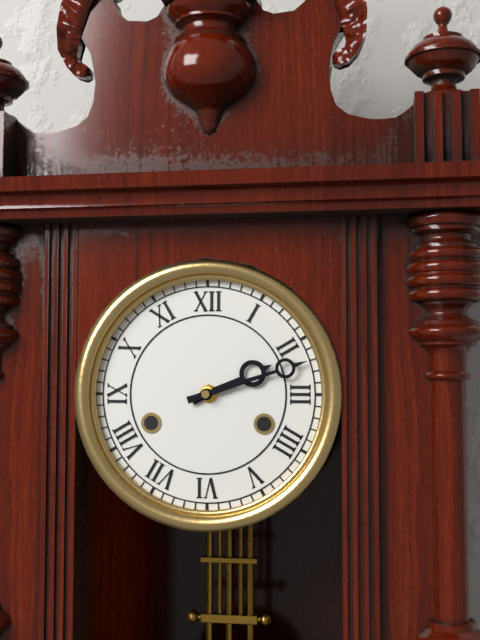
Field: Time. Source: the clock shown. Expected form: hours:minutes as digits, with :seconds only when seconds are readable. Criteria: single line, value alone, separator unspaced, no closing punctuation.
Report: 2:12
